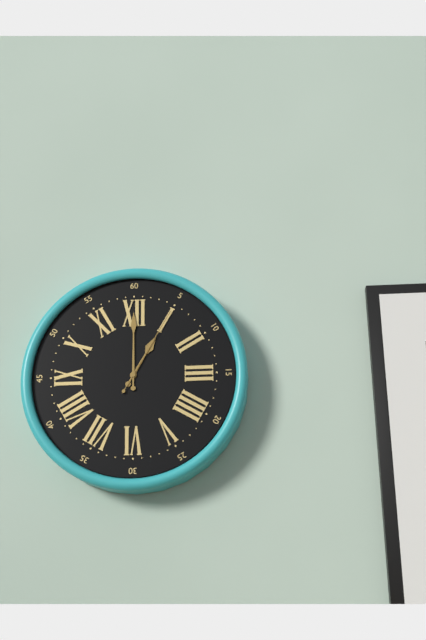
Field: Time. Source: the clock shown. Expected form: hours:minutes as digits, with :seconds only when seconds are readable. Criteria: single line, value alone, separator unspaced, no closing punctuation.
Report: 1:00:05
